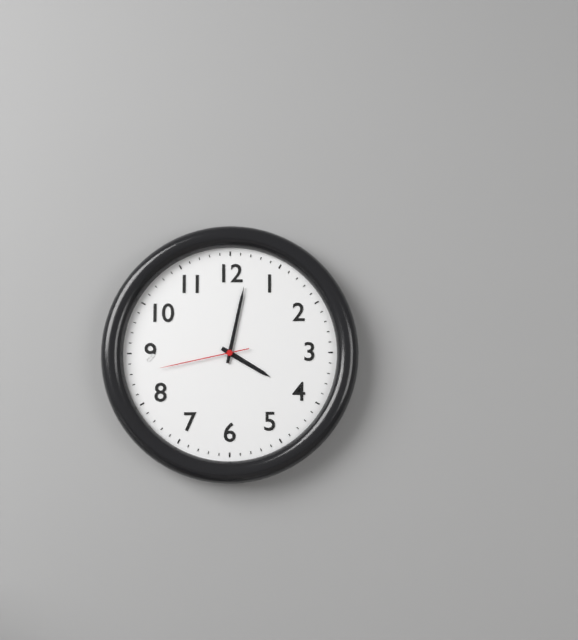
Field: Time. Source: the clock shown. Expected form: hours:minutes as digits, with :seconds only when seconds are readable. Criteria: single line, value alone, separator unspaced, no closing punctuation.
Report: 4:02:43
